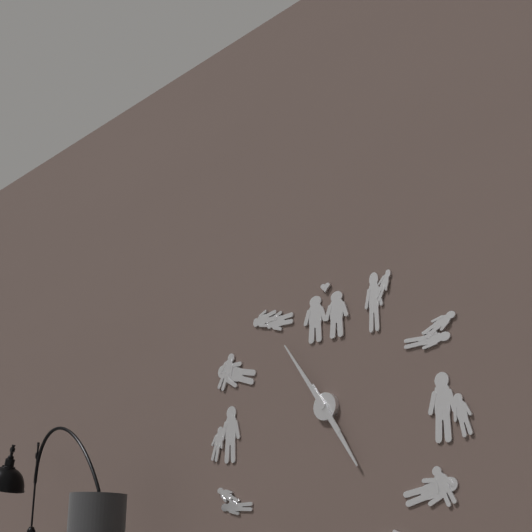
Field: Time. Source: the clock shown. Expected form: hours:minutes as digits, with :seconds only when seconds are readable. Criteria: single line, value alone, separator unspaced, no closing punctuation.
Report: 4:54
